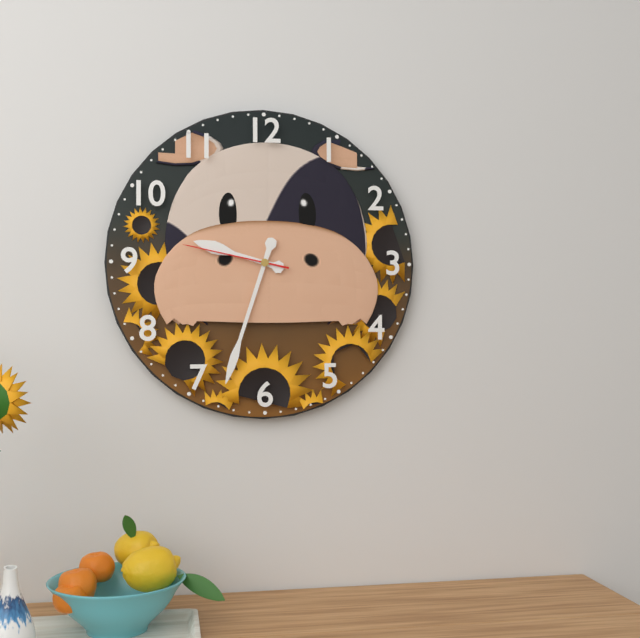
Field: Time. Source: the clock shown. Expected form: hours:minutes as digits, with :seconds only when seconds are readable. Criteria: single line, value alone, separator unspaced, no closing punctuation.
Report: 9:33:47
